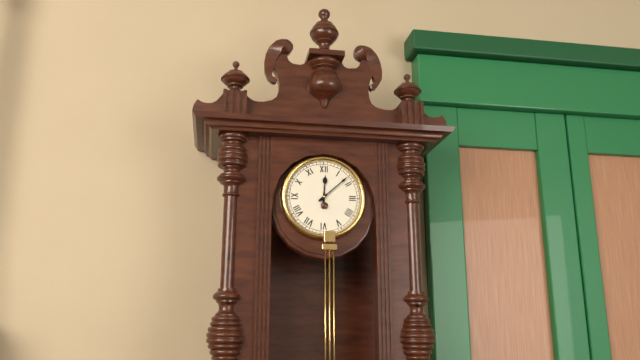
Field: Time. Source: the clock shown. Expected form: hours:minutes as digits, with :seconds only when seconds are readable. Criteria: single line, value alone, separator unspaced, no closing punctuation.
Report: 12:08
